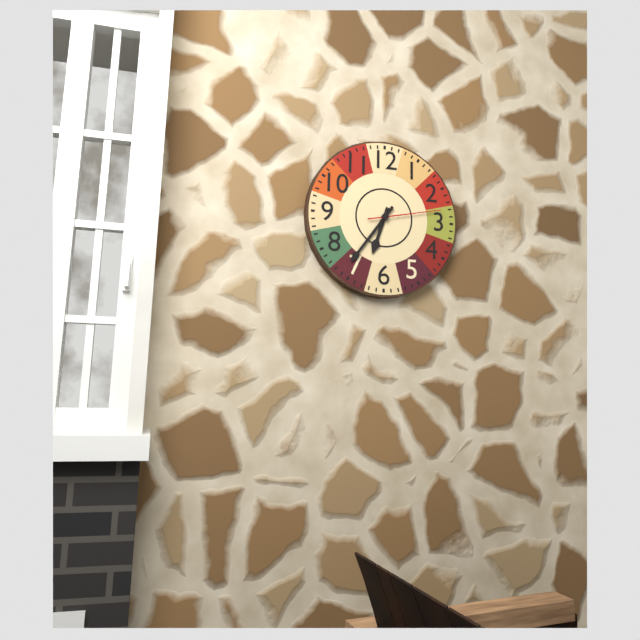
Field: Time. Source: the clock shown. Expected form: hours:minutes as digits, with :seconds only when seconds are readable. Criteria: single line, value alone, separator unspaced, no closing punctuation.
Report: 6:36:13
